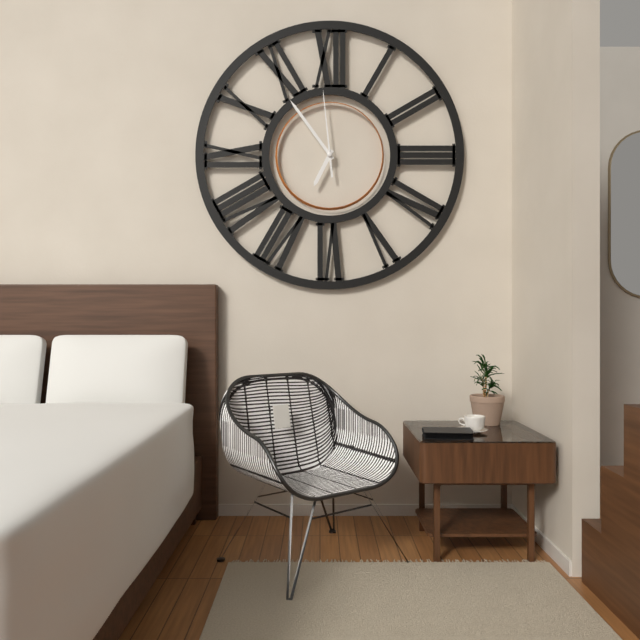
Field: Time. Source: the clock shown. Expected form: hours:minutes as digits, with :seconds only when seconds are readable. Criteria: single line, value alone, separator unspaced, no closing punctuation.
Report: 6:54:59
